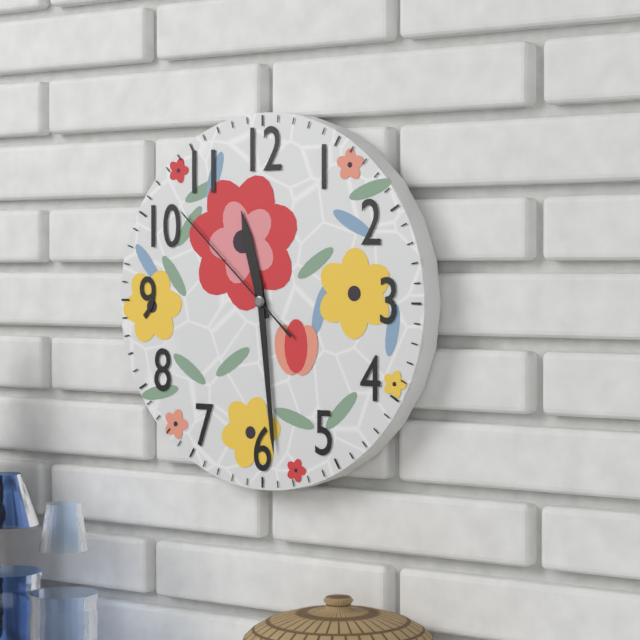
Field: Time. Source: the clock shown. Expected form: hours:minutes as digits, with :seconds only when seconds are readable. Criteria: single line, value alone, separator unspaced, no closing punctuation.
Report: 11:29:52
